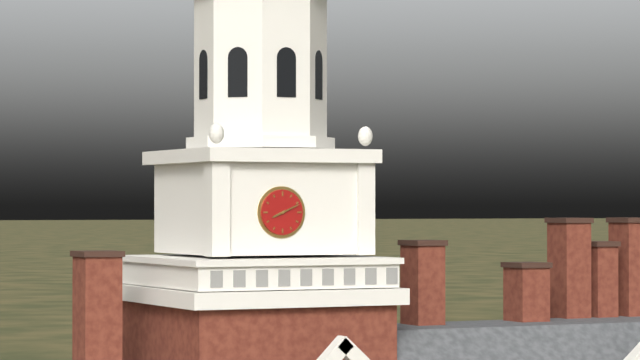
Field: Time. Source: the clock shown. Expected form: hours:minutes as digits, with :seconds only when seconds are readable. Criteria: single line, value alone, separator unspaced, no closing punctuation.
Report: 8:11
